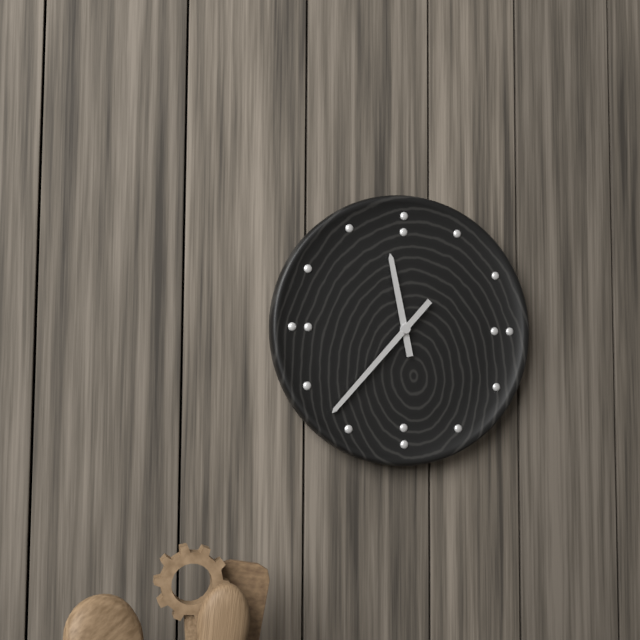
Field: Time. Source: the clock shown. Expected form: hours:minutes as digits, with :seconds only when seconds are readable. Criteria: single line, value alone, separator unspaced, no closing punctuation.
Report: 11:37
